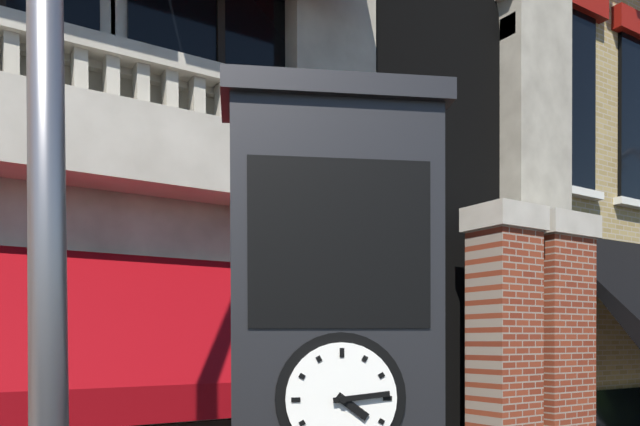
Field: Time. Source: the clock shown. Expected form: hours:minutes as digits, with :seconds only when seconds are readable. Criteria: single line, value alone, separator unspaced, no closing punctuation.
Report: 4:14
